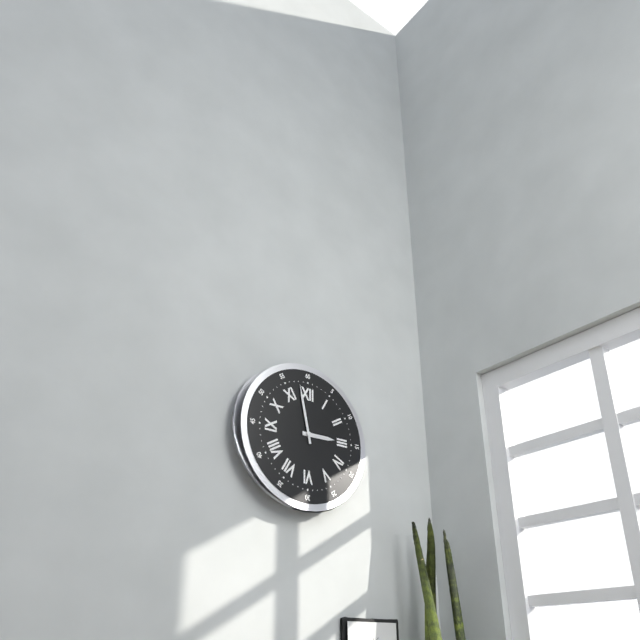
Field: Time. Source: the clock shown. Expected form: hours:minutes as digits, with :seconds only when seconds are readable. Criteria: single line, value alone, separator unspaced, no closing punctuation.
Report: 2:58
